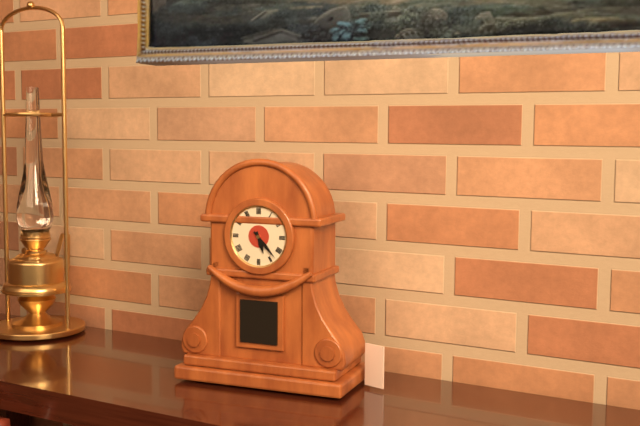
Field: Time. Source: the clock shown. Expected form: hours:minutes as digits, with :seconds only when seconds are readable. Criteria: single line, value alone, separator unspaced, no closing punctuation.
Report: 5:23
